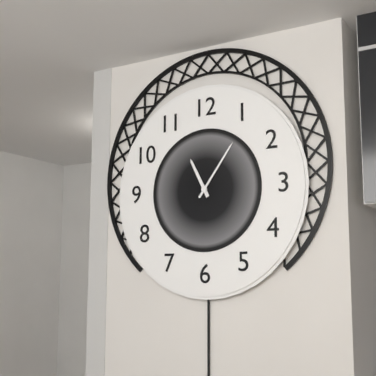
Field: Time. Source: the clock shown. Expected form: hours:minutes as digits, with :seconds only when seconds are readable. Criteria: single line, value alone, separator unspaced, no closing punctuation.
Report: 11:06
